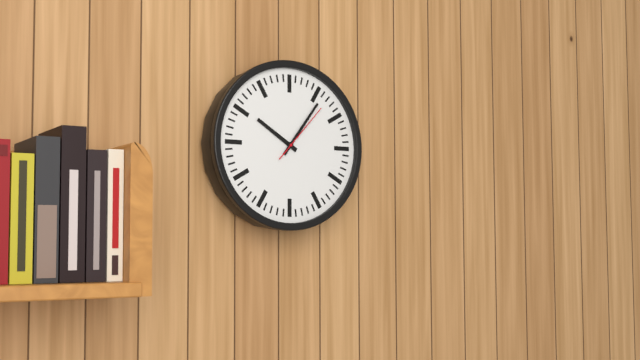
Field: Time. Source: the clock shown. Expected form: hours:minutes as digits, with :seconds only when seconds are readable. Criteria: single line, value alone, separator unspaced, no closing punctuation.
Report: 10:06:07
